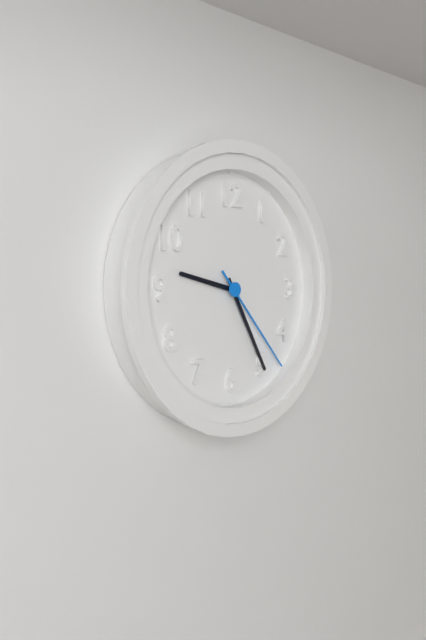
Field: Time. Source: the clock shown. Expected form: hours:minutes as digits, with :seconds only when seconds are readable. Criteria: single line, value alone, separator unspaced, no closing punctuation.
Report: 9:25:23
